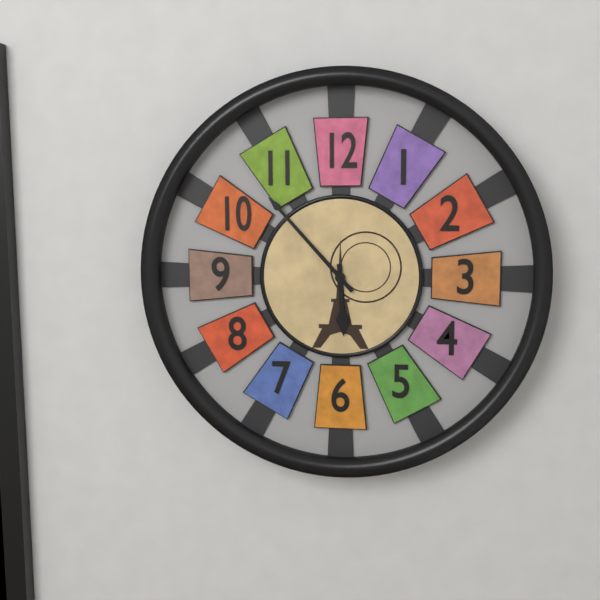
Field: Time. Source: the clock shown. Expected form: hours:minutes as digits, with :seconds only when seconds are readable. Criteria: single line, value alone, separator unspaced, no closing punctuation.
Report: 5:53
